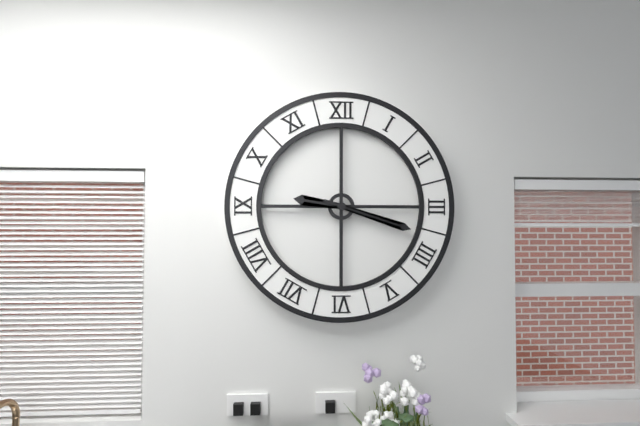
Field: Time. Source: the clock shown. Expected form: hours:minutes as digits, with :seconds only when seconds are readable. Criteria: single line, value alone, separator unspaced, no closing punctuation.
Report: 9:18
